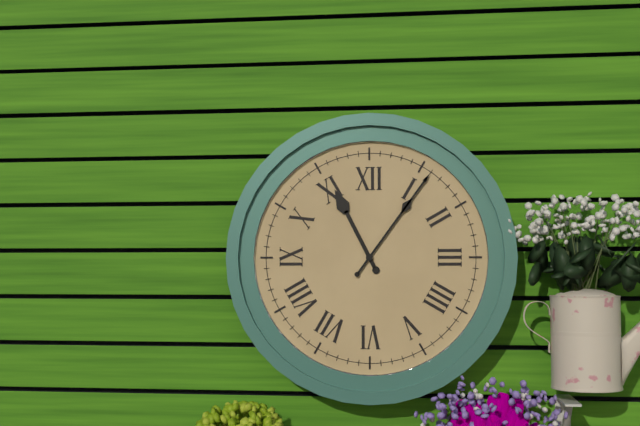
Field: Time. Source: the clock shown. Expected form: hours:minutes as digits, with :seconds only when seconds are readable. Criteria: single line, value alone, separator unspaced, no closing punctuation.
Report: 11:06
